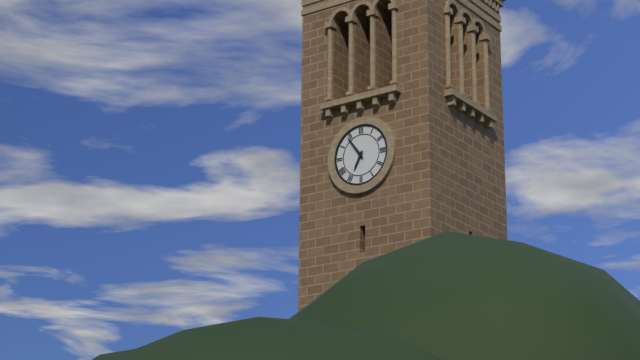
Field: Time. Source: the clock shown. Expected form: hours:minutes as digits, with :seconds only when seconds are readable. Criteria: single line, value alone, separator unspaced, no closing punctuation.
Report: 6:54
